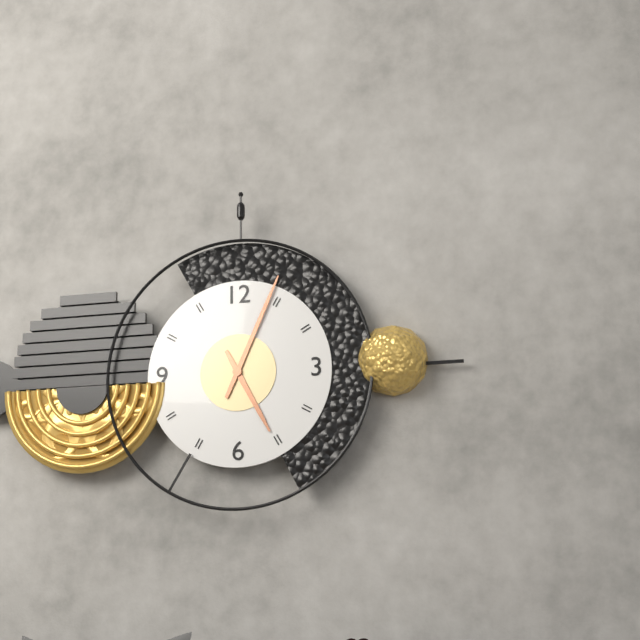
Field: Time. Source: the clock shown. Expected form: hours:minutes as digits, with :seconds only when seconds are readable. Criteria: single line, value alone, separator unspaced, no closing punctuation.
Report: 5:04
